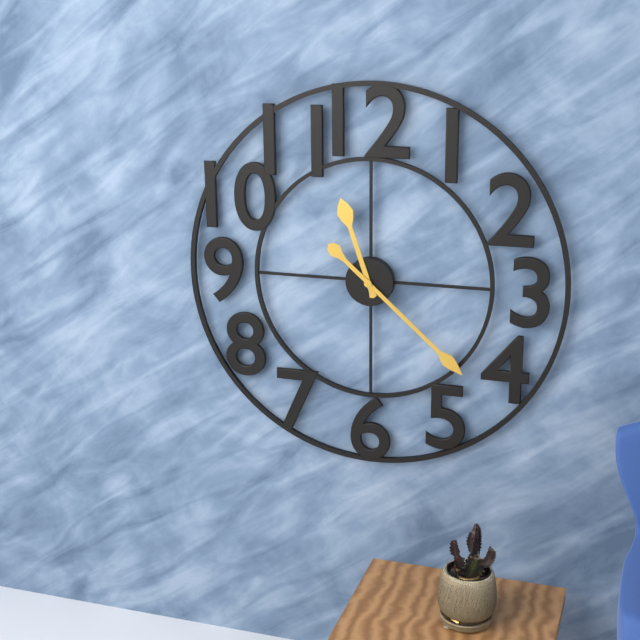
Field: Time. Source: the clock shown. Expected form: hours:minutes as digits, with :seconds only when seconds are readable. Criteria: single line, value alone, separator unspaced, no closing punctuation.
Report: 11:22
